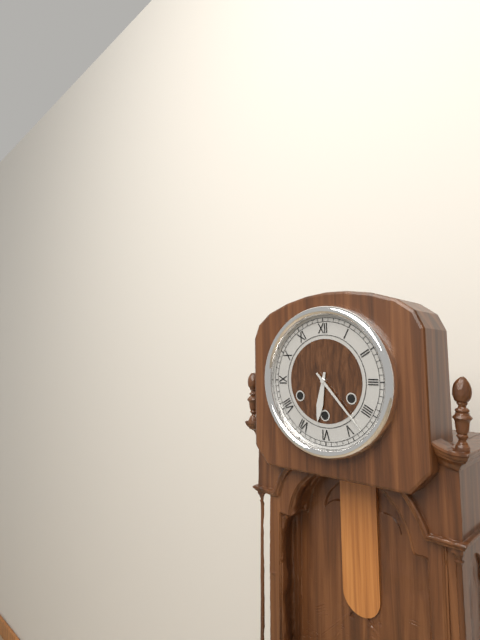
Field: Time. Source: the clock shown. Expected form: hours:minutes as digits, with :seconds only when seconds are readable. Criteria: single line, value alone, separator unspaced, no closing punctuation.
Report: 6:23
